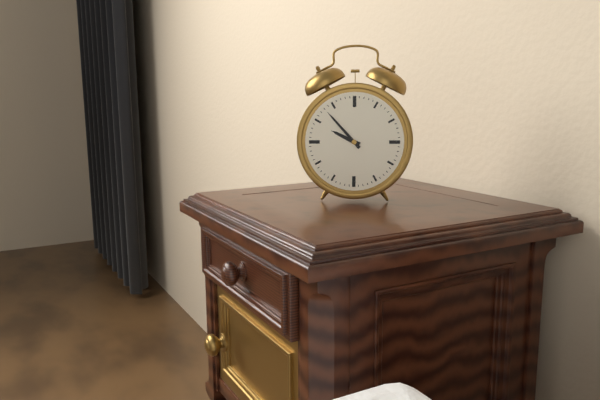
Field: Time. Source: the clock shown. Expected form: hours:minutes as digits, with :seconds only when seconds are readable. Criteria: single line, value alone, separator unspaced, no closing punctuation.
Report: 9:53
